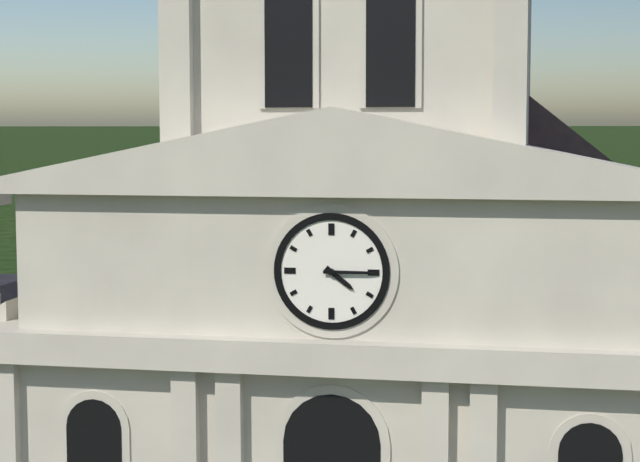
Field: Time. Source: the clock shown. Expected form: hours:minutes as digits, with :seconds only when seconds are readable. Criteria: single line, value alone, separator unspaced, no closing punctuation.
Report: 4:15
